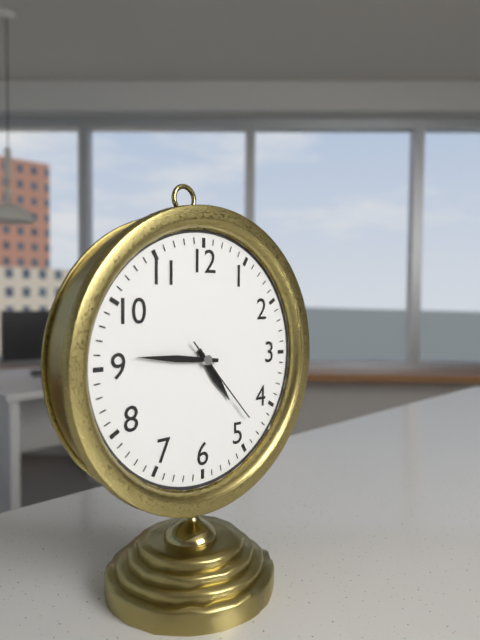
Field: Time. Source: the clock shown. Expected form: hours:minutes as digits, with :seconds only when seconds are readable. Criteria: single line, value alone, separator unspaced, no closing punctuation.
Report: 4:46:23
